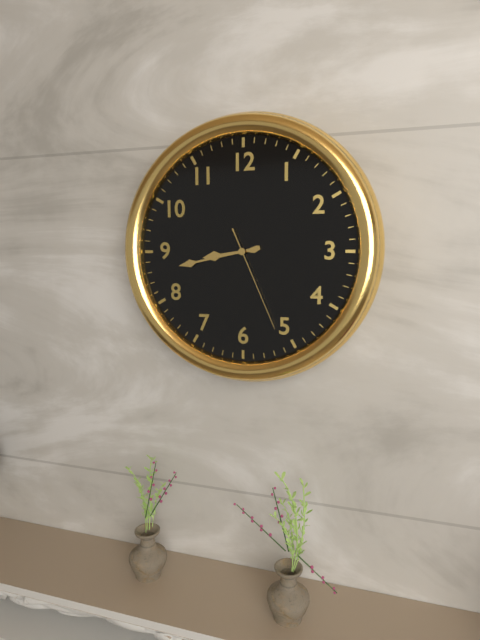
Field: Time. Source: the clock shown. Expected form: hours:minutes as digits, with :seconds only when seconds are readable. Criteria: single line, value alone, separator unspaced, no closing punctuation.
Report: 8:43:26
